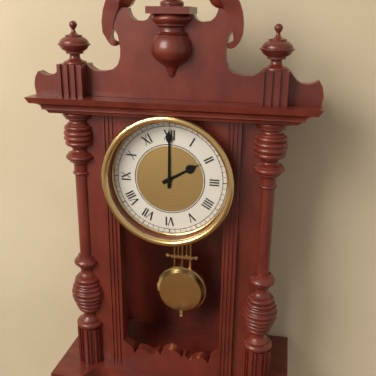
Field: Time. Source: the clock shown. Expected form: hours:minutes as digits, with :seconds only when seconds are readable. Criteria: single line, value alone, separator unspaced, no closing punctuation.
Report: 2:00
